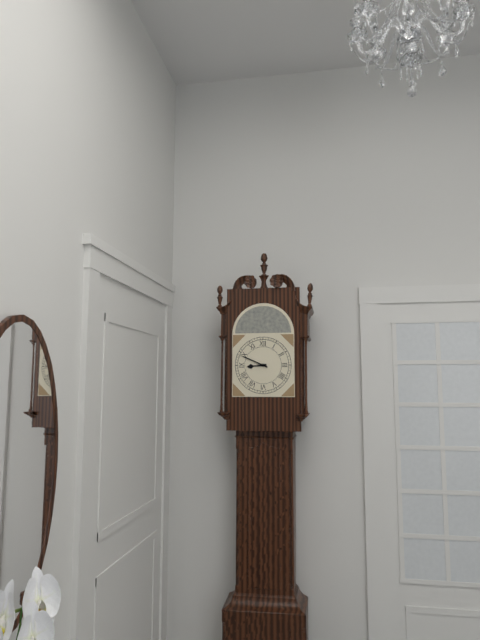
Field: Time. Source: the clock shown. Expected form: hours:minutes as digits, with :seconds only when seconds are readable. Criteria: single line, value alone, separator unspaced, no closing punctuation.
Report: 8:49
